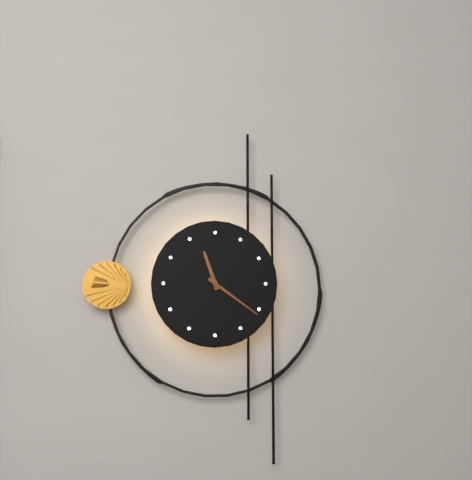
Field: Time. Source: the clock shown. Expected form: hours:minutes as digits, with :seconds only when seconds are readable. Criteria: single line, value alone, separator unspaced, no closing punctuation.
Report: 11:21
